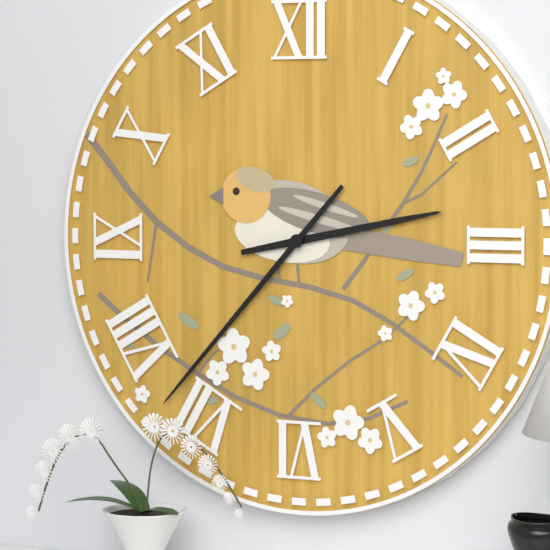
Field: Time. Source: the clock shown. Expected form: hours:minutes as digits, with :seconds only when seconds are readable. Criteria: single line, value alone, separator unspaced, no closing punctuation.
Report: 2:37
